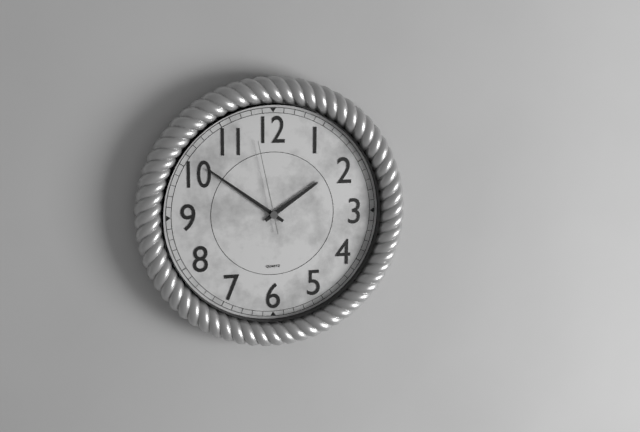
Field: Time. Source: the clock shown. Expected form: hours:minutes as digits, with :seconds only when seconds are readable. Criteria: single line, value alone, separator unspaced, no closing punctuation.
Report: 1:51:58
